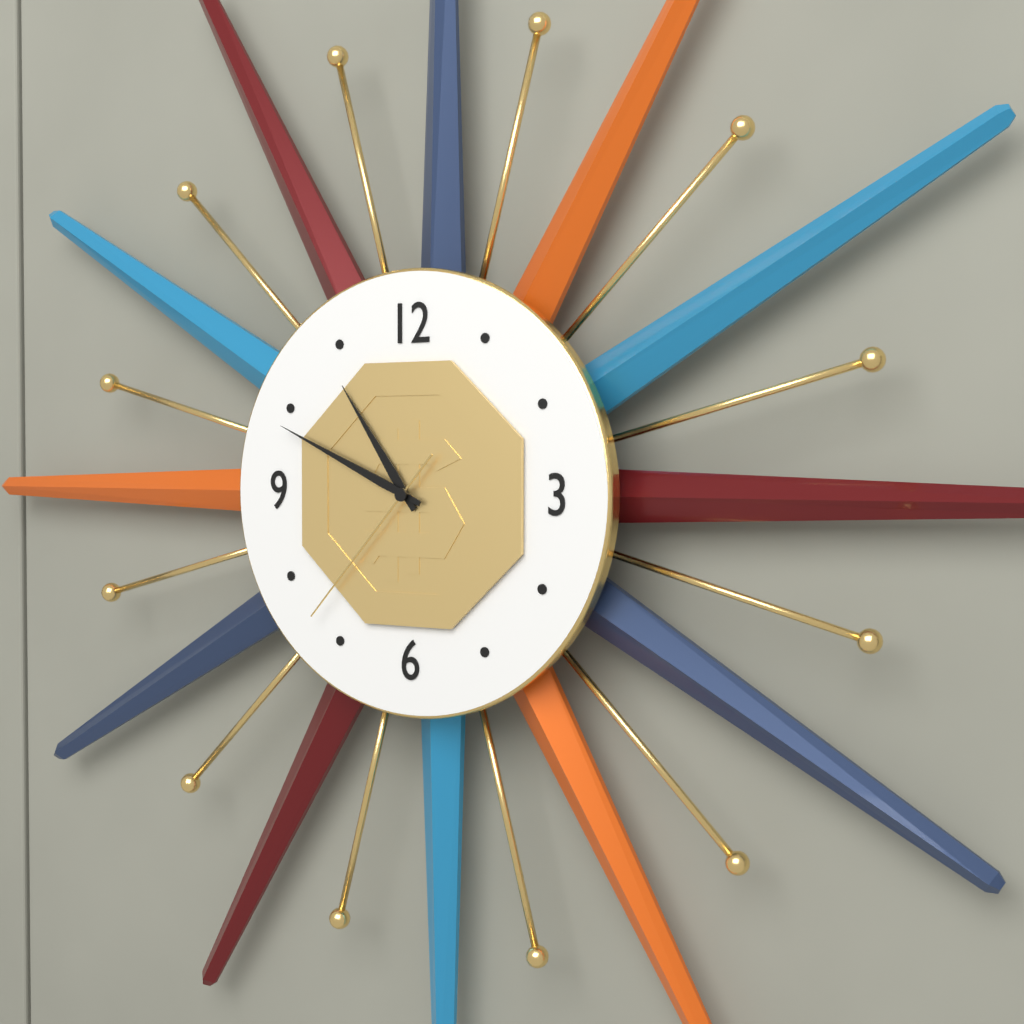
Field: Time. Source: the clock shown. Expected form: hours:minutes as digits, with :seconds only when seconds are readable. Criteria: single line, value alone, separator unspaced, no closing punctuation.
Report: 10:49:37
